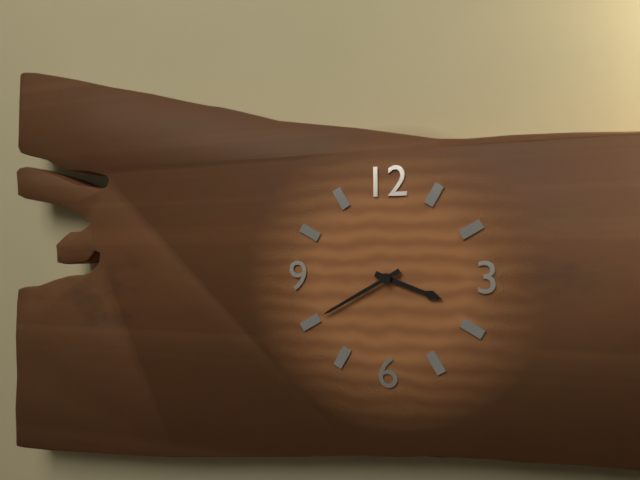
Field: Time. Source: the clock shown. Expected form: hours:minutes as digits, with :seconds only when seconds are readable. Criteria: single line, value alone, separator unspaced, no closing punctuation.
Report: 3:40
